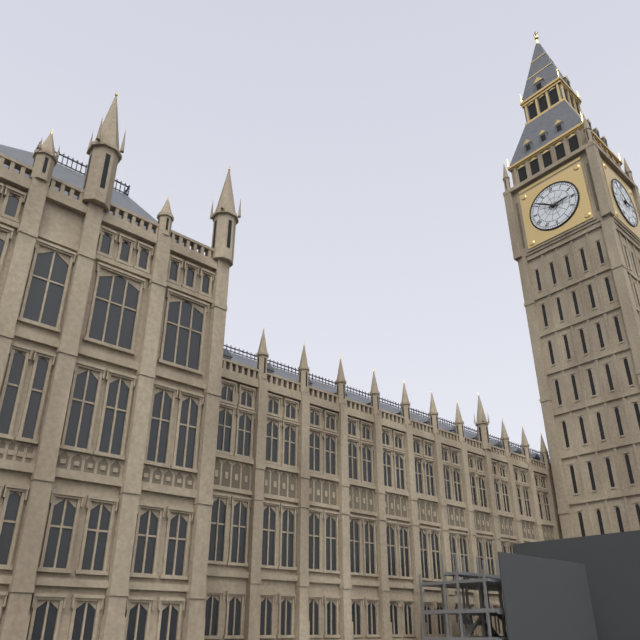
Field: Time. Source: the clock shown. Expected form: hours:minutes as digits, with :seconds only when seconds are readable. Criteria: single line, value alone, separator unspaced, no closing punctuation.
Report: 2:51
